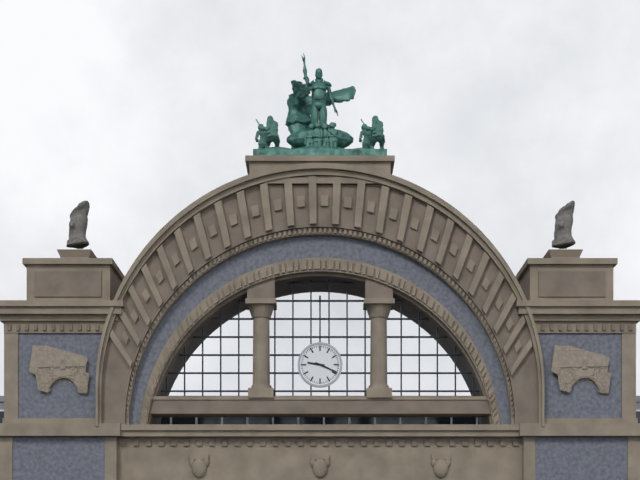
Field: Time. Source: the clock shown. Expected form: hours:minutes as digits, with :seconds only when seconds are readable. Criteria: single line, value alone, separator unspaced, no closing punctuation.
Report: 9:19
